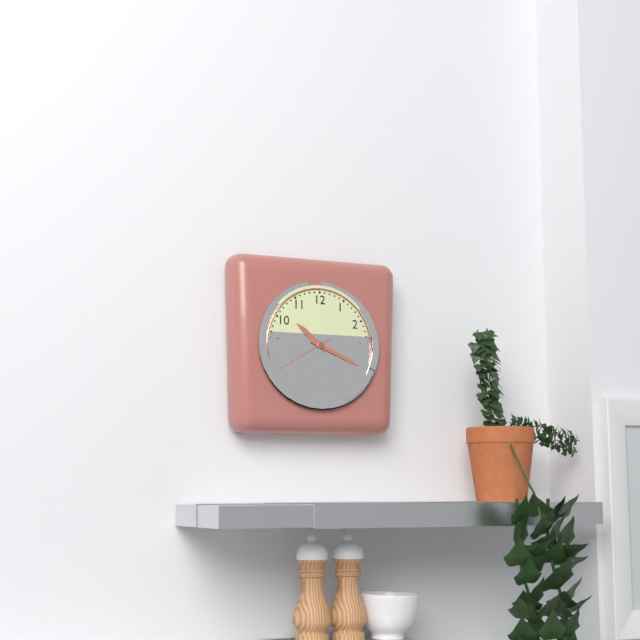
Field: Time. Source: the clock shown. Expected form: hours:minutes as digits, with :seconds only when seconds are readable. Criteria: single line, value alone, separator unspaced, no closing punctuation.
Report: 10:19
